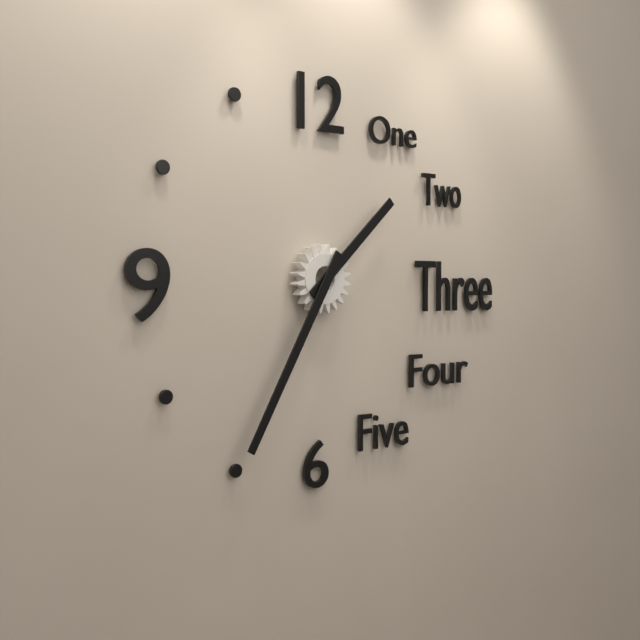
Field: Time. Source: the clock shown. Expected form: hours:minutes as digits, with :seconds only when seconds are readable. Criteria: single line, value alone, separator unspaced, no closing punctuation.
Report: 1:35
